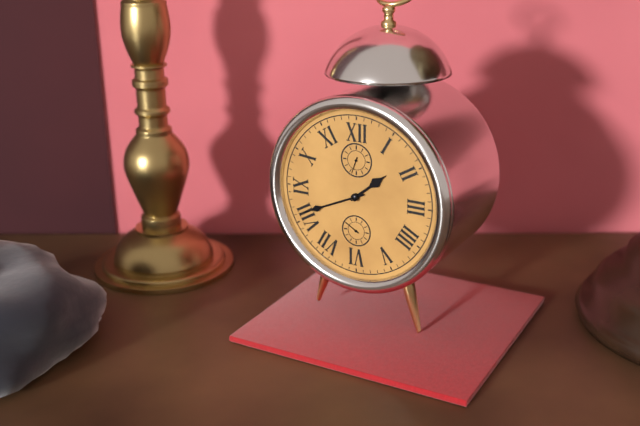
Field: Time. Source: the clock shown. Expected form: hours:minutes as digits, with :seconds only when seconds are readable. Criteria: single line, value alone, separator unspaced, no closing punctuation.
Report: 1:41
